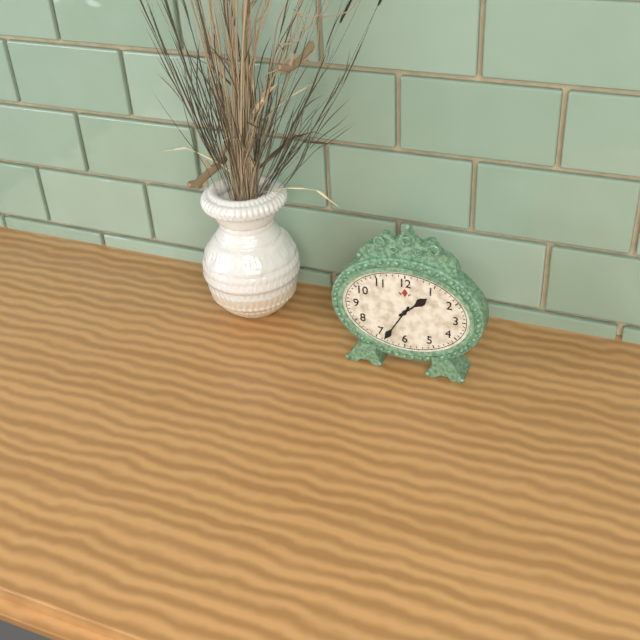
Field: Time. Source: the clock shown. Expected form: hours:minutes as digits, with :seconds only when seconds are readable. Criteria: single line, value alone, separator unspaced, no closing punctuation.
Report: 1:35
